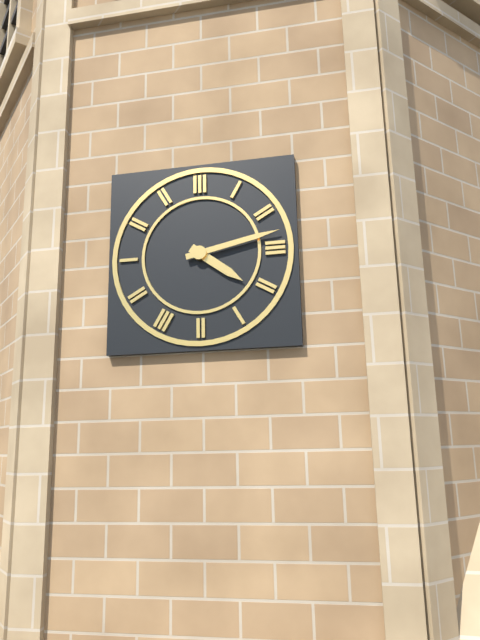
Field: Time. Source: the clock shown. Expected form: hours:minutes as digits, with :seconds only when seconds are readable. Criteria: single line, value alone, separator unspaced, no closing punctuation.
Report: 4:13
